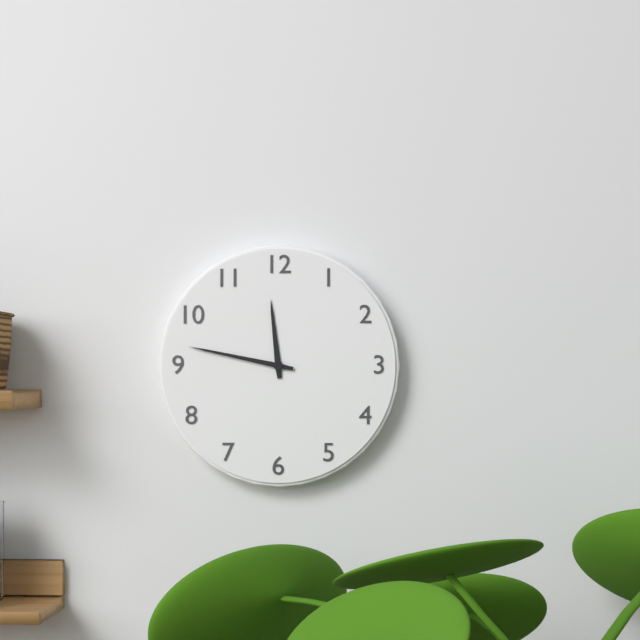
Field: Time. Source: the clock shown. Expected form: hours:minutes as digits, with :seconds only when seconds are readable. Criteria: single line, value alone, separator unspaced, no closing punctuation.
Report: 11:47
